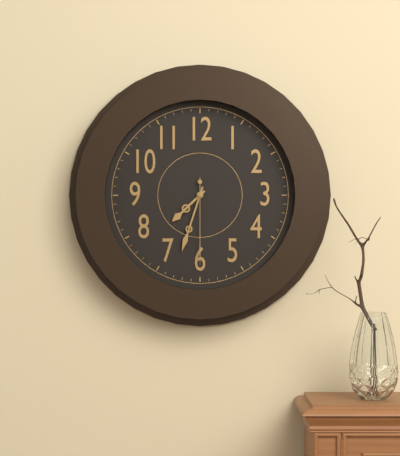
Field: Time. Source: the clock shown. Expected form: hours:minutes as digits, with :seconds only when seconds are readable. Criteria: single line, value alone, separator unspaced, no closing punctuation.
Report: 7:33:30
